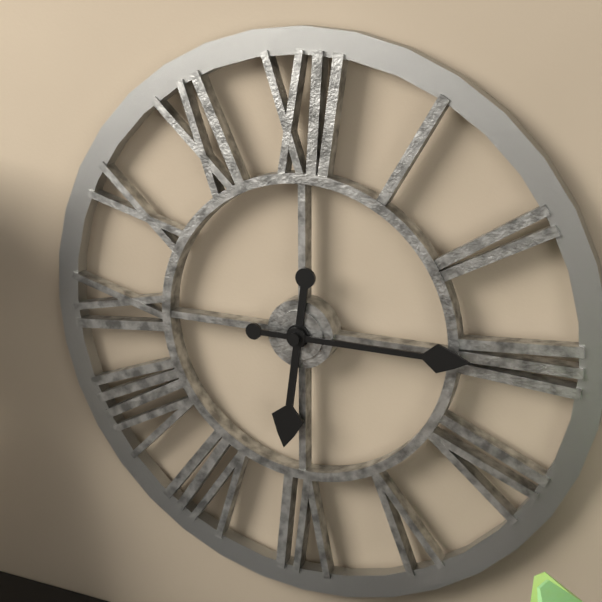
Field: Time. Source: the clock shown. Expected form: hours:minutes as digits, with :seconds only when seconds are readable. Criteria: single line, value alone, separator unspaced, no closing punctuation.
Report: 6:15
